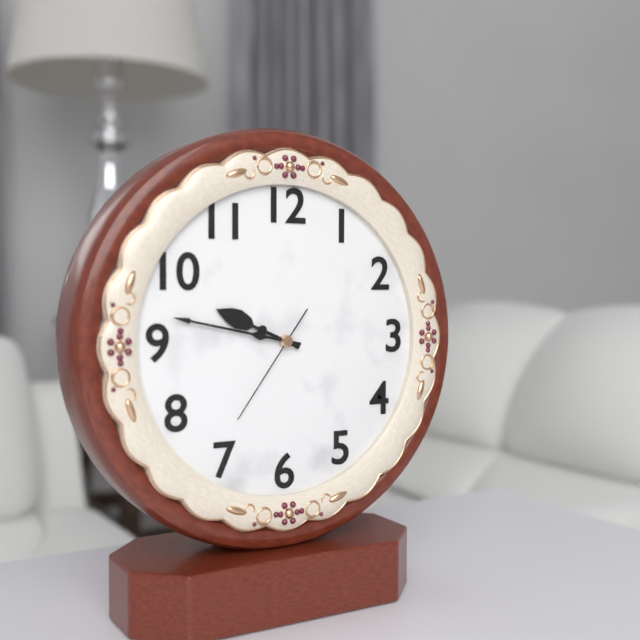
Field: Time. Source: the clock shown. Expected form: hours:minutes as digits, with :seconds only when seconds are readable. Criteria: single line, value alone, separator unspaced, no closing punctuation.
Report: 9:47:36
